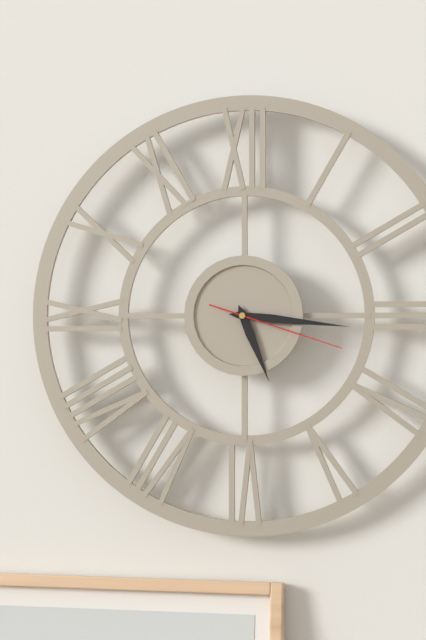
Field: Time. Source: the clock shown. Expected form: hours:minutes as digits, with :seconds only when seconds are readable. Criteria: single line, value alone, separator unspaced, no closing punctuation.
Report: 5:16:18
